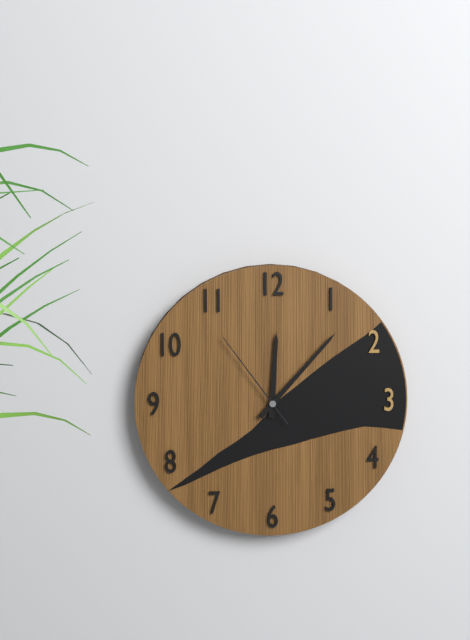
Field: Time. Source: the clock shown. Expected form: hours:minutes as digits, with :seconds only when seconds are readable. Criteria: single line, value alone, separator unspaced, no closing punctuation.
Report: 12:07:54
